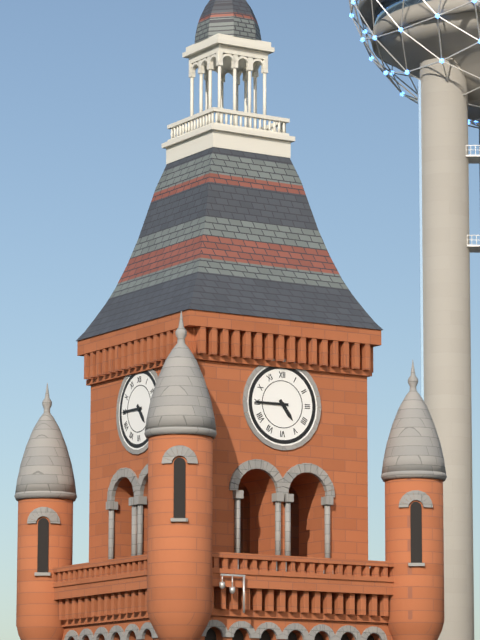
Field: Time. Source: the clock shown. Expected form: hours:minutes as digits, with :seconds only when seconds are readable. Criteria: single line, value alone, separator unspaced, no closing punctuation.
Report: 4:45
